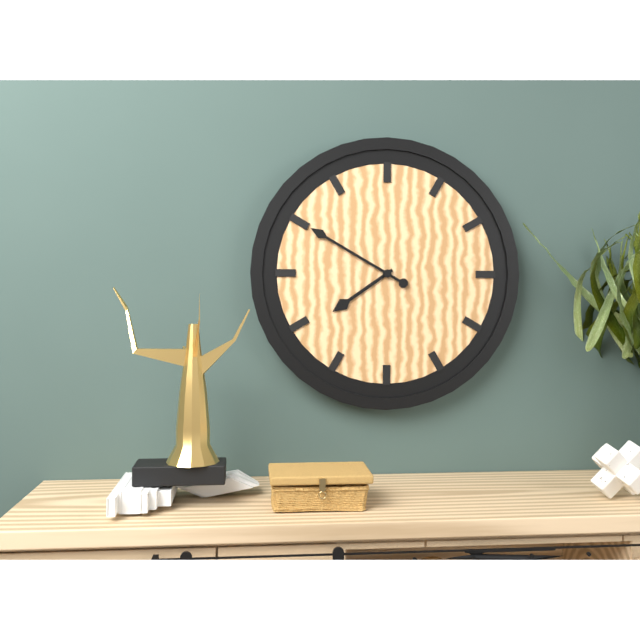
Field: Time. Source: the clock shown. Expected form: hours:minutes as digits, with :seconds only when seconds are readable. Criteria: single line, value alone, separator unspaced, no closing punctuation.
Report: 7:50
